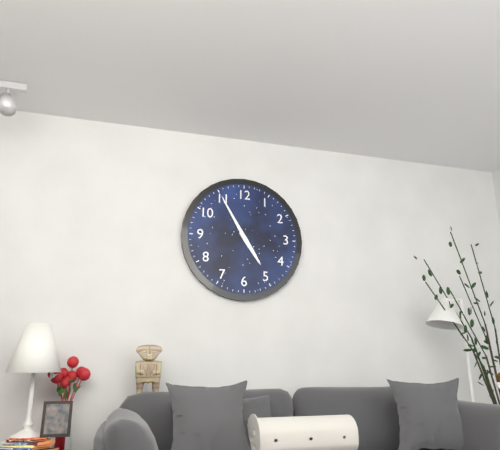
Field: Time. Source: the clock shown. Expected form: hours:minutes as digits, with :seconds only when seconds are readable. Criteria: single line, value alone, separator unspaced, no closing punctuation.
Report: 4:55
